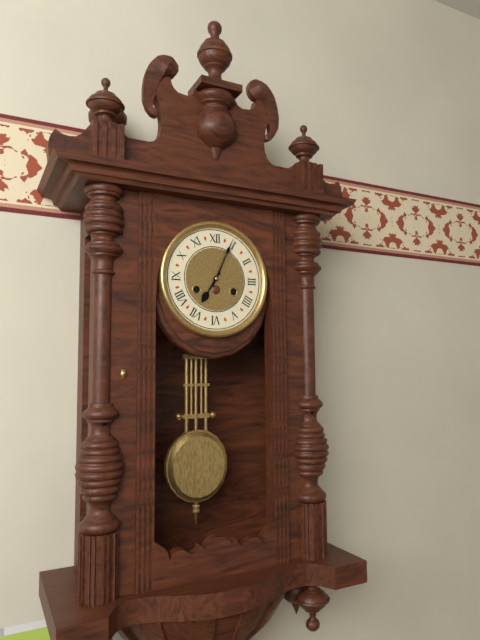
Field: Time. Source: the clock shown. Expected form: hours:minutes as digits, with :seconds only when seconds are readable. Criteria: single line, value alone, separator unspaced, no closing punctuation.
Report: 7:04
